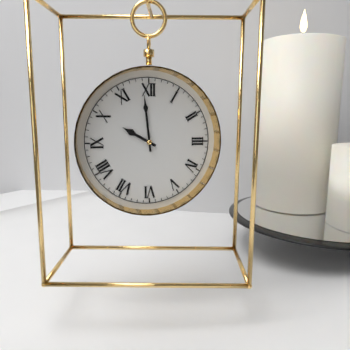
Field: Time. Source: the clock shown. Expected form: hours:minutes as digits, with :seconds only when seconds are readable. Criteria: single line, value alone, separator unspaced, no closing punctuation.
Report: 9:59
